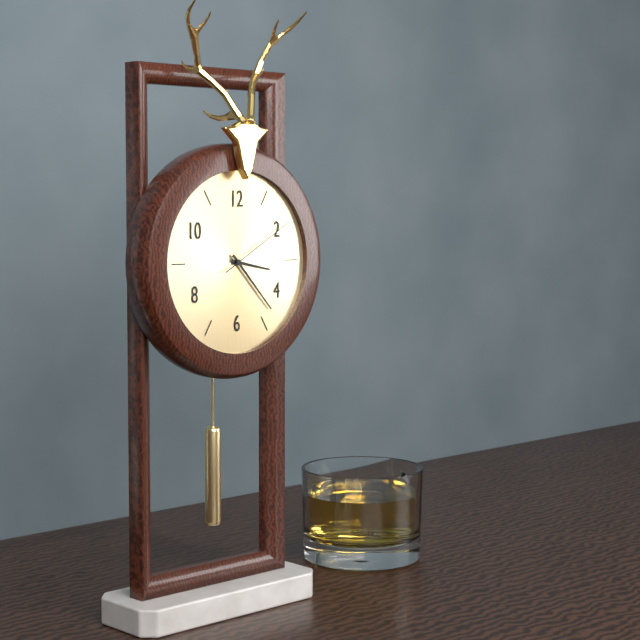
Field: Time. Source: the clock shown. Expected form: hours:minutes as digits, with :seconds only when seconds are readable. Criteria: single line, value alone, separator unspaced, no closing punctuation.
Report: 3:23:10
